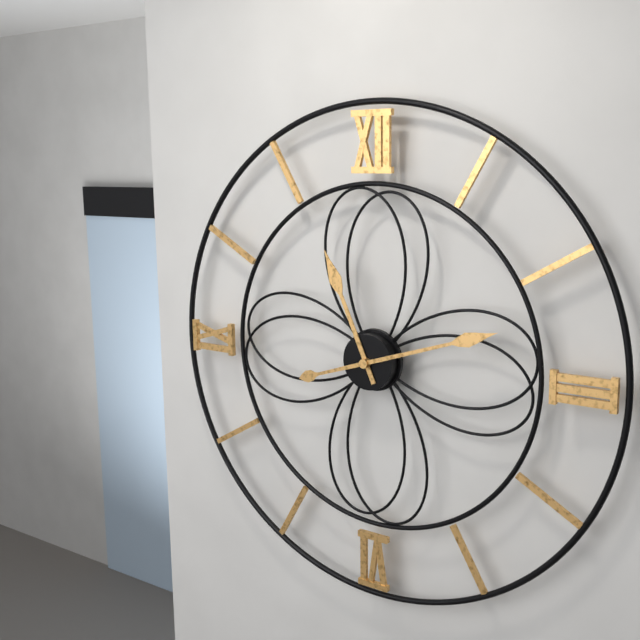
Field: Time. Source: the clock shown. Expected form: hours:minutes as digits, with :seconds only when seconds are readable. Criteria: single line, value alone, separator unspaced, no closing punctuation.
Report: 11:12
